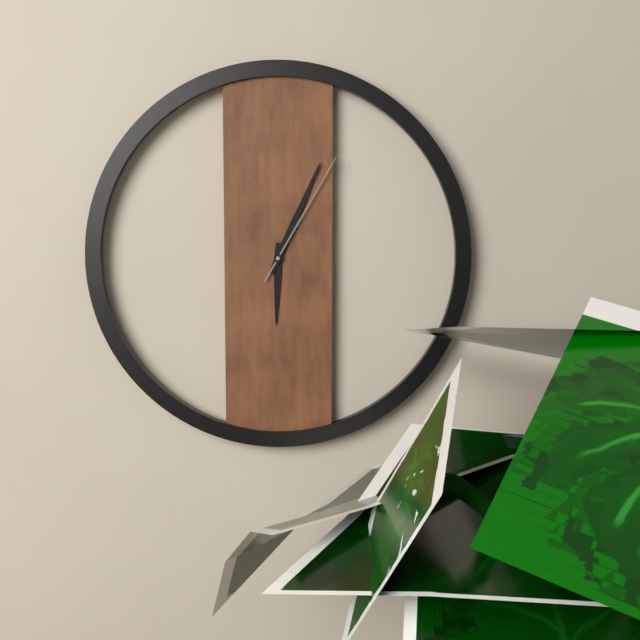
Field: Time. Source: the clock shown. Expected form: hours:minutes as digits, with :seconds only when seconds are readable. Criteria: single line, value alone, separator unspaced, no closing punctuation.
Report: 6:04:05
